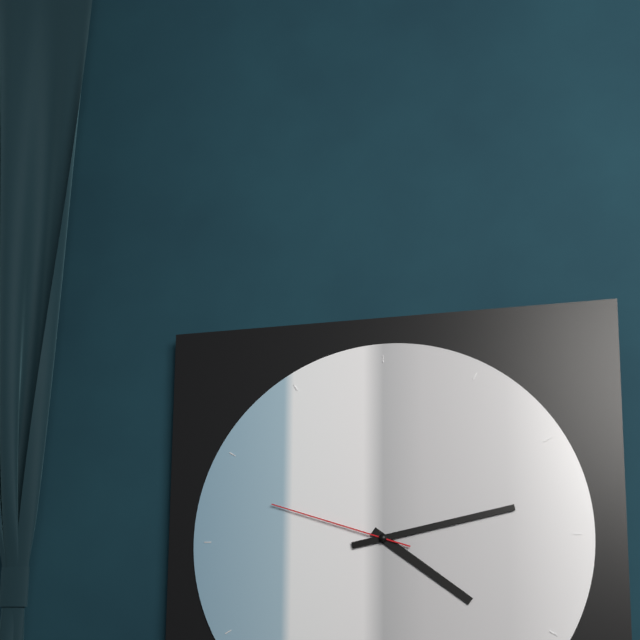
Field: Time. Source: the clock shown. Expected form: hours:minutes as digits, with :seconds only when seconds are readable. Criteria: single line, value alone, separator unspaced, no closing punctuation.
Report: 4:13:48
